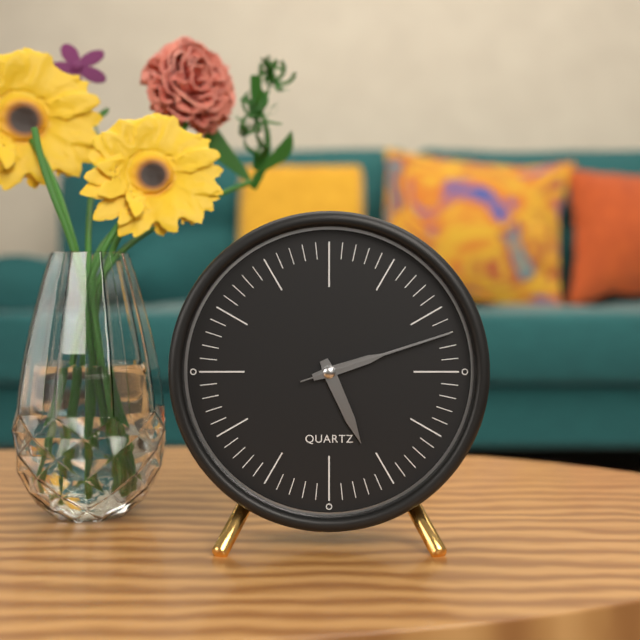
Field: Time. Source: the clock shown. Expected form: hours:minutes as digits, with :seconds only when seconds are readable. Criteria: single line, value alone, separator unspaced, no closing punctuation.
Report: 5:12:12
